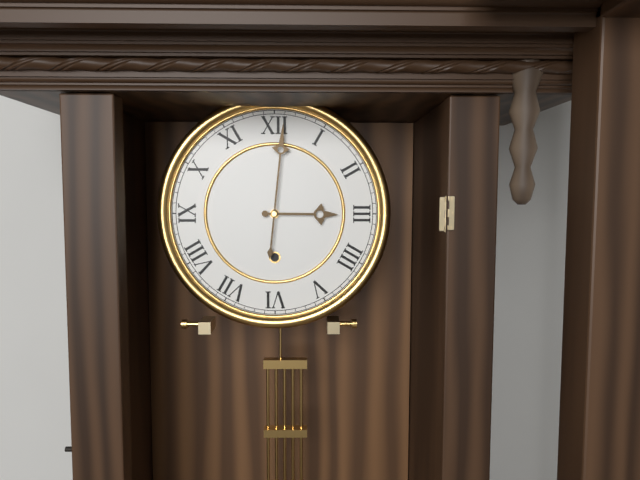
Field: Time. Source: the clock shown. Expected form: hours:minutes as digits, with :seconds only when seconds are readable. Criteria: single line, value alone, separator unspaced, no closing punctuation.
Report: 3:01
